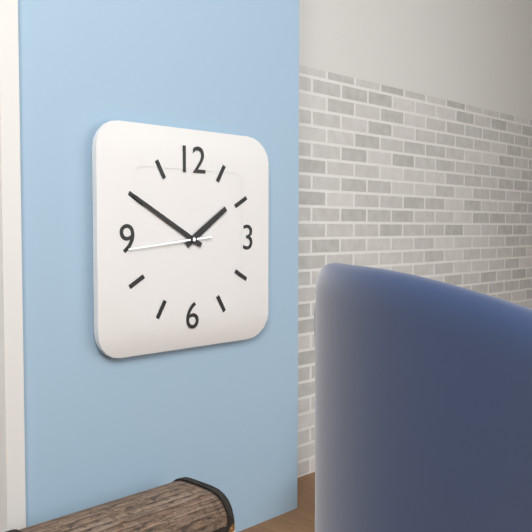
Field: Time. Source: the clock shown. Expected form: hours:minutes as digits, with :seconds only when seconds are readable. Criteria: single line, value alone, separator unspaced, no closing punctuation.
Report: 1:50:44
